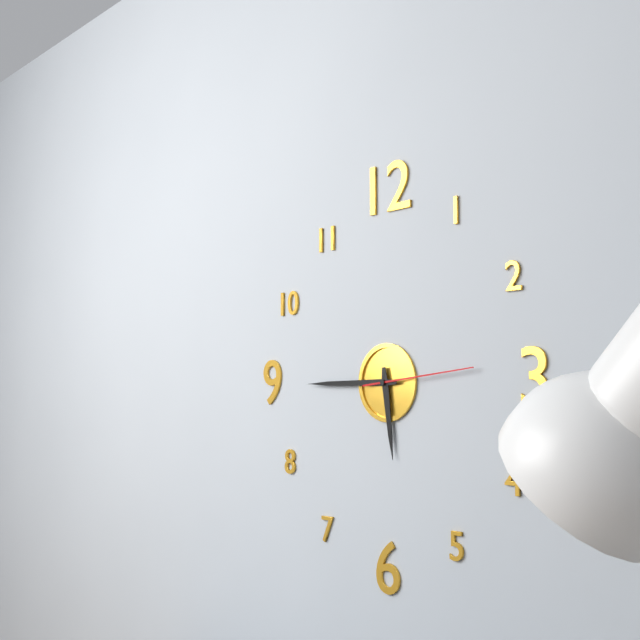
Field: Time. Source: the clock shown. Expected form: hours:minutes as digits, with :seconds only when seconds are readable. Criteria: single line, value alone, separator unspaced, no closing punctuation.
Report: 5:45:14
